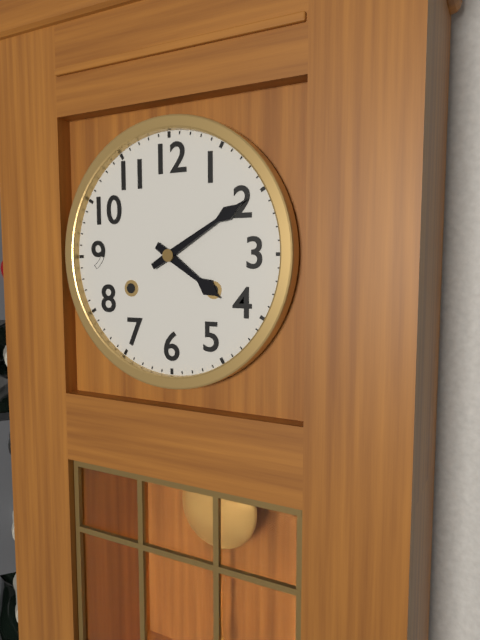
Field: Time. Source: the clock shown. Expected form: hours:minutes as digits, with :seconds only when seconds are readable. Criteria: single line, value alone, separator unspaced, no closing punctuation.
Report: 4:10
